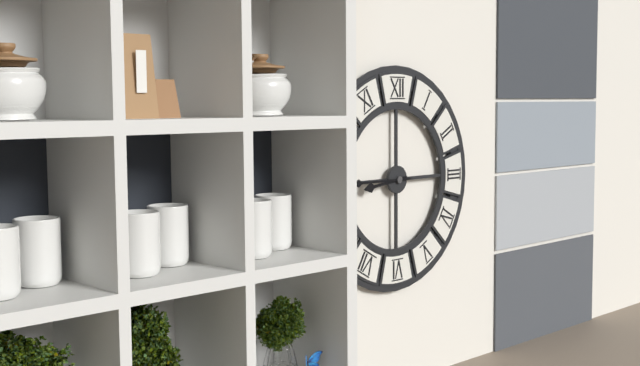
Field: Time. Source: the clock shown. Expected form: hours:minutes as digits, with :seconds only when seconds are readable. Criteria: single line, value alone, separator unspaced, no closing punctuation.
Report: 8:45
